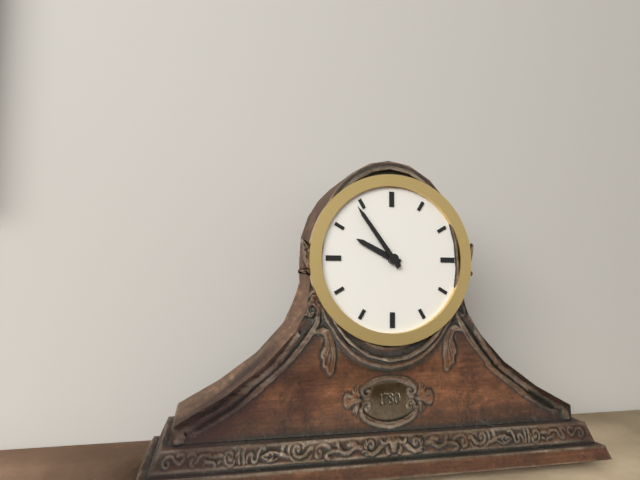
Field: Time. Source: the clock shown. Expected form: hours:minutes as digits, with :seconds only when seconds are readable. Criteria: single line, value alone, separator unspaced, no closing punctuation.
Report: 9:54
